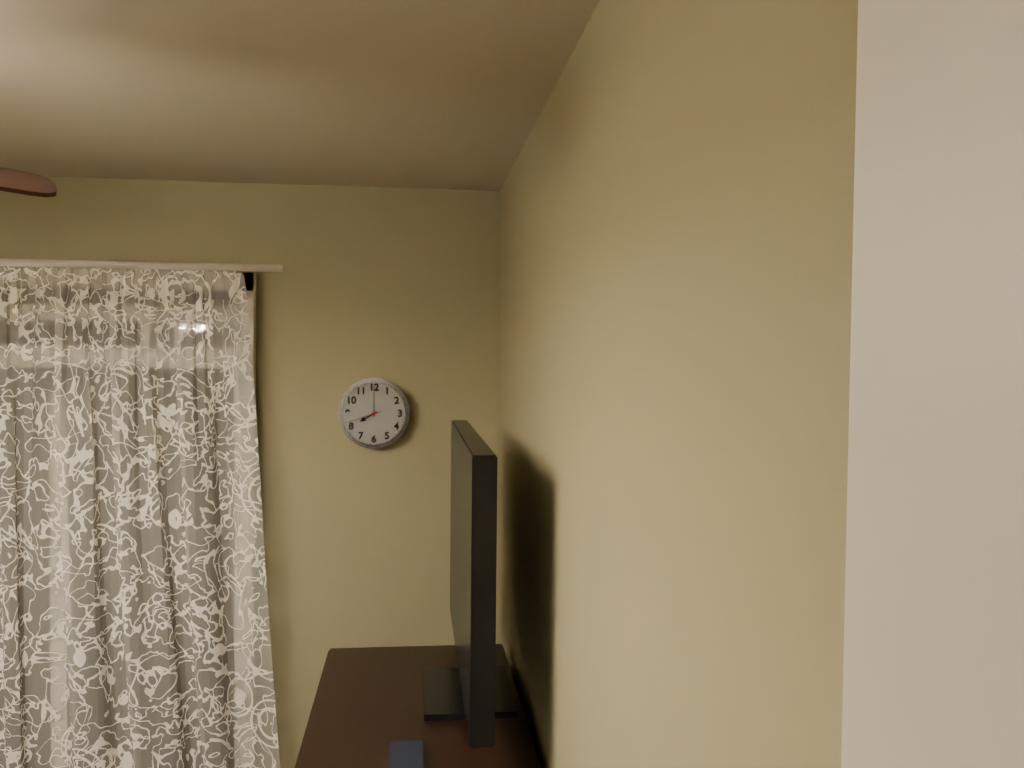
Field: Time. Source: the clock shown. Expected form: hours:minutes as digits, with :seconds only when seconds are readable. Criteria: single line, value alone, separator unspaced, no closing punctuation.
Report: 8:00
